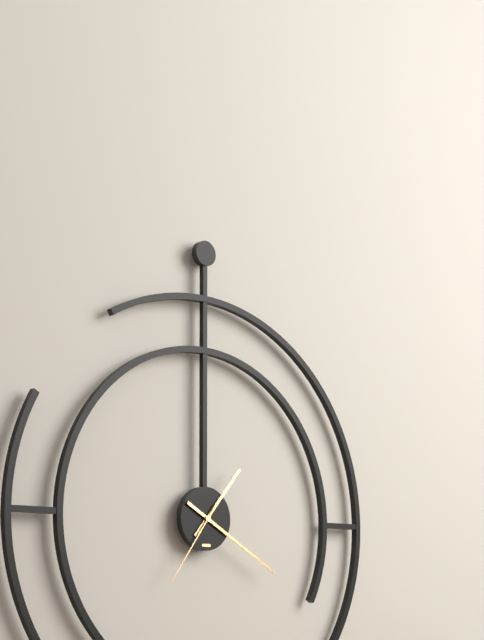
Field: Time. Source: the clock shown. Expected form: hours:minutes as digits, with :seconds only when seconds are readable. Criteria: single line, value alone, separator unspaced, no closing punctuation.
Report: 1:20:36
